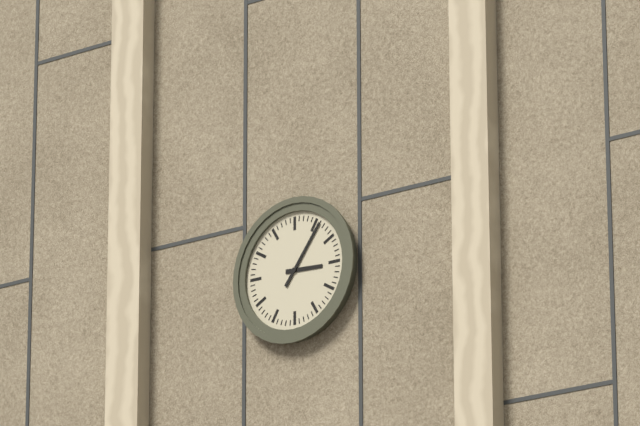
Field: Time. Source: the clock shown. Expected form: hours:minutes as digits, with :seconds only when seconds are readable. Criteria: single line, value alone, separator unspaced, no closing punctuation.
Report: 3:06
